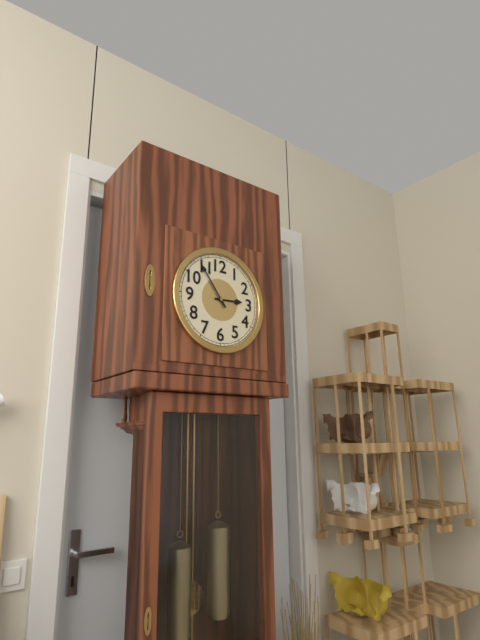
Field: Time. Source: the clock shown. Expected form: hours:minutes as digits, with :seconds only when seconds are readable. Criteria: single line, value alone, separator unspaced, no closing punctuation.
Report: 2:54
